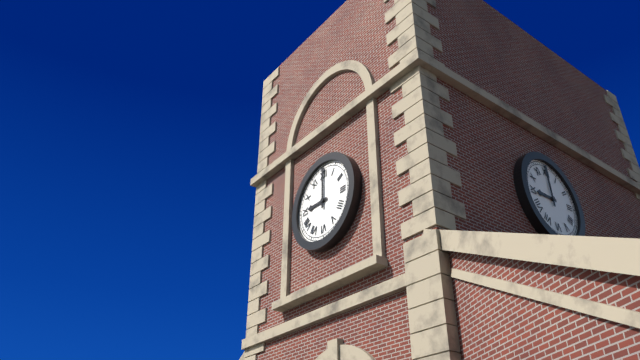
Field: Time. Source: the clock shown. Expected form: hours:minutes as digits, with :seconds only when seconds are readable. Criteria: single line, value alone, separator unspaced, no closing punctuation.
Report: 9:00
